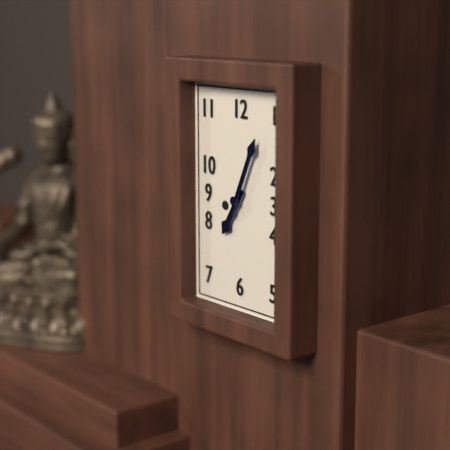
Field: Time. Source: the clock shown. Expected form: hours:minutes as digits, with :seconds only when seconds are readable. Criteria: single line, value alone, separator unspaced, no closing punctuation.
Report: 7:04
